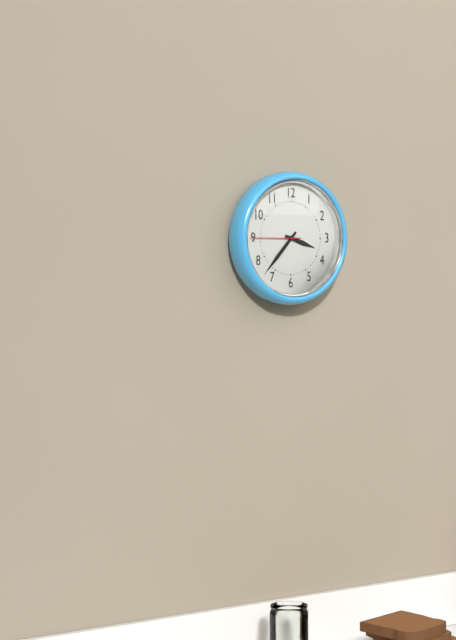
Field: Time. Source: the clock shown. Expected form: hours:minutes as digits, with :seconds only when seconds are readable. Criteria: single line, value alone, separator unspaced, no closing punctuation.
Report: 3:37:45
